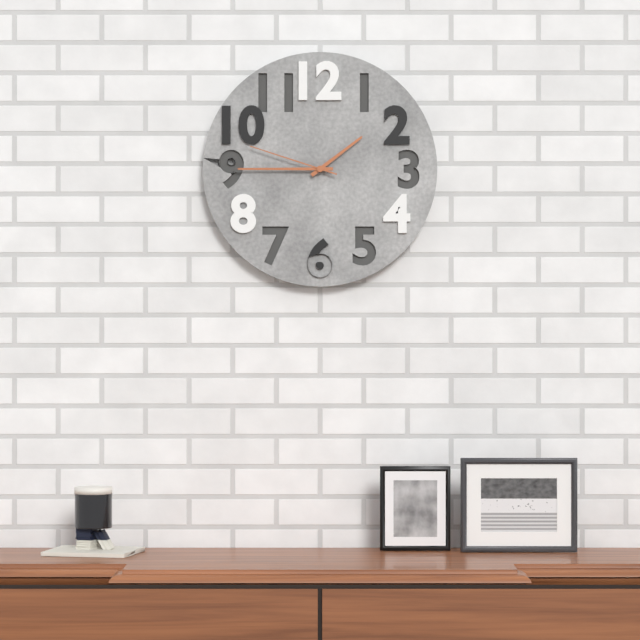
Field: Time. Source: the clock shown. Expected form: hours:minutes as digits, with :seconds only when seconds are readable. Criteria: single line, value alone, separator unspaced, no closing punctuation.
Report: 1:45:48
